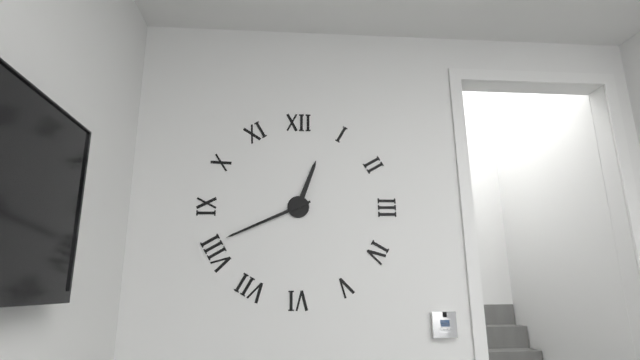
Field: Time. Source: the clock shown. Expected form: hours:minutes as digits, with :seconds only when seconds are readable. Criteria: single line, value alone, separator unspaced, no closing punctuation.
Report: 12:41
